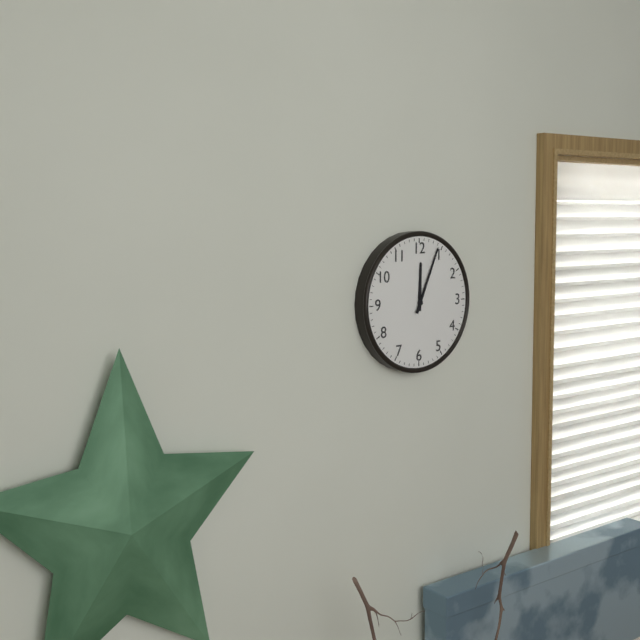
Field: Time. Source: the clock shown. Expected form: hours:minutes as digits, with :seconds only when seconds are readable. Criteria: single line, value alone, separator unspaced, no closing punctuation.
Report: 12:04
